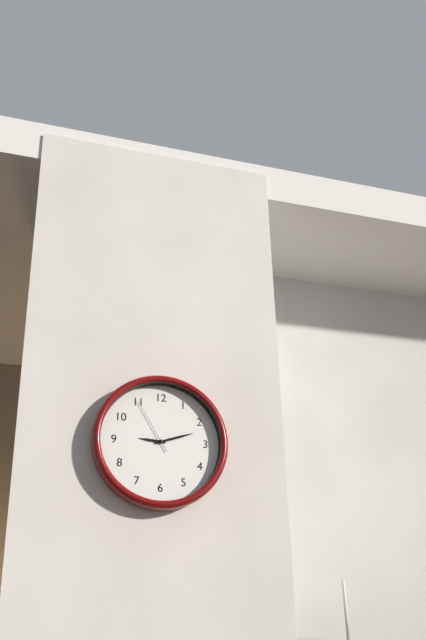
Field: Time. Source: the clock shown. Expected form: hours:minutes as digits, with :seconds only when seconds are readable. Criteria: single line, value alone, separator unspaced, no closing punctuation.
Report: 9:12:55
